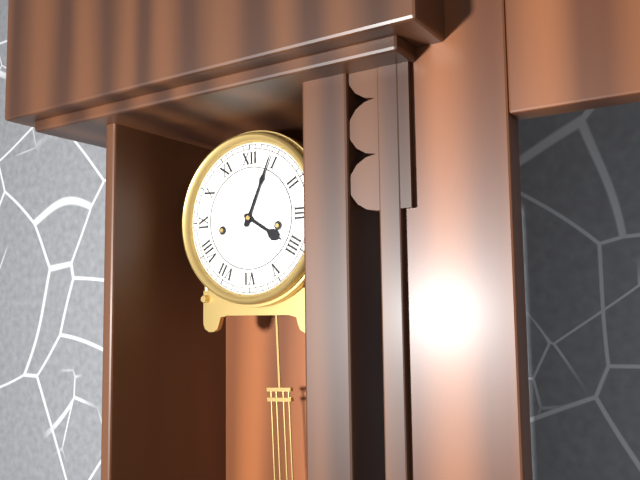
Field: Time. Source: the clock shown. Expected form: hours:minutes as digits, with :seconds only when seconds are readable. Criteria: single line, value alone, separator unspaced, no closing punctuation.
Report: 4:04
